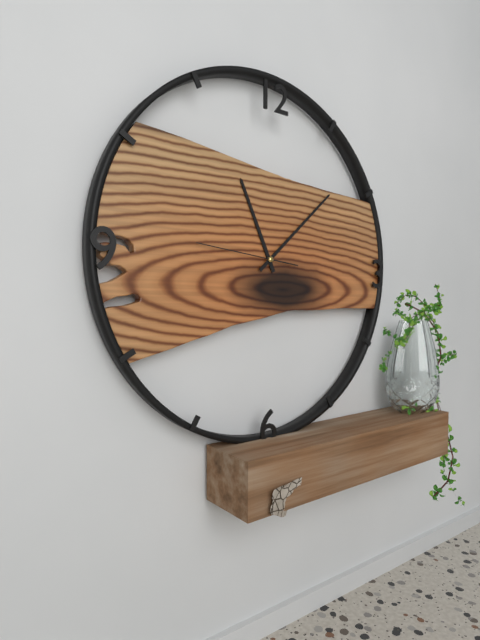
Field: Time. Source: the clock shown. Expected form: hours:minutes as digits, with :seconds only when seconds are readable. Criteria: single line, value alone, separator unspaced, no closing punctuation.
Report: 11:08:46
